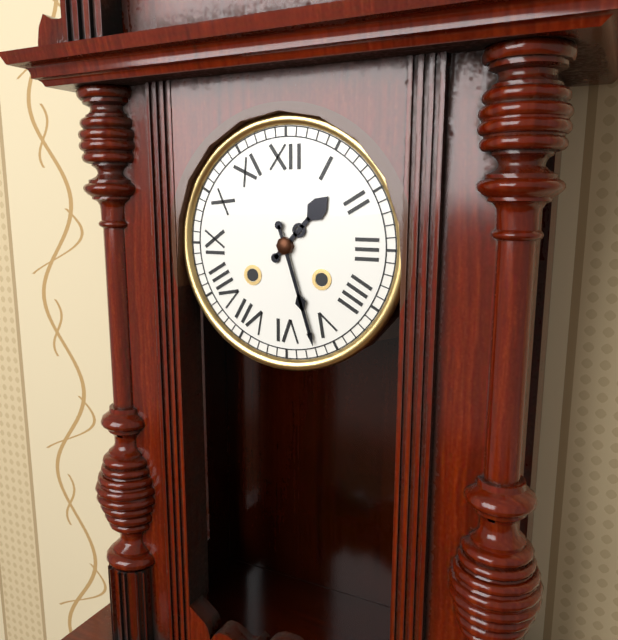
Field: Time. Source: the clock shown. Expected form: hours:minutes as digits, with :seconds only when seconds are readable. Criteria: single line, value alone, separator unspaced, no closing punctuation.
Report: 1:27
